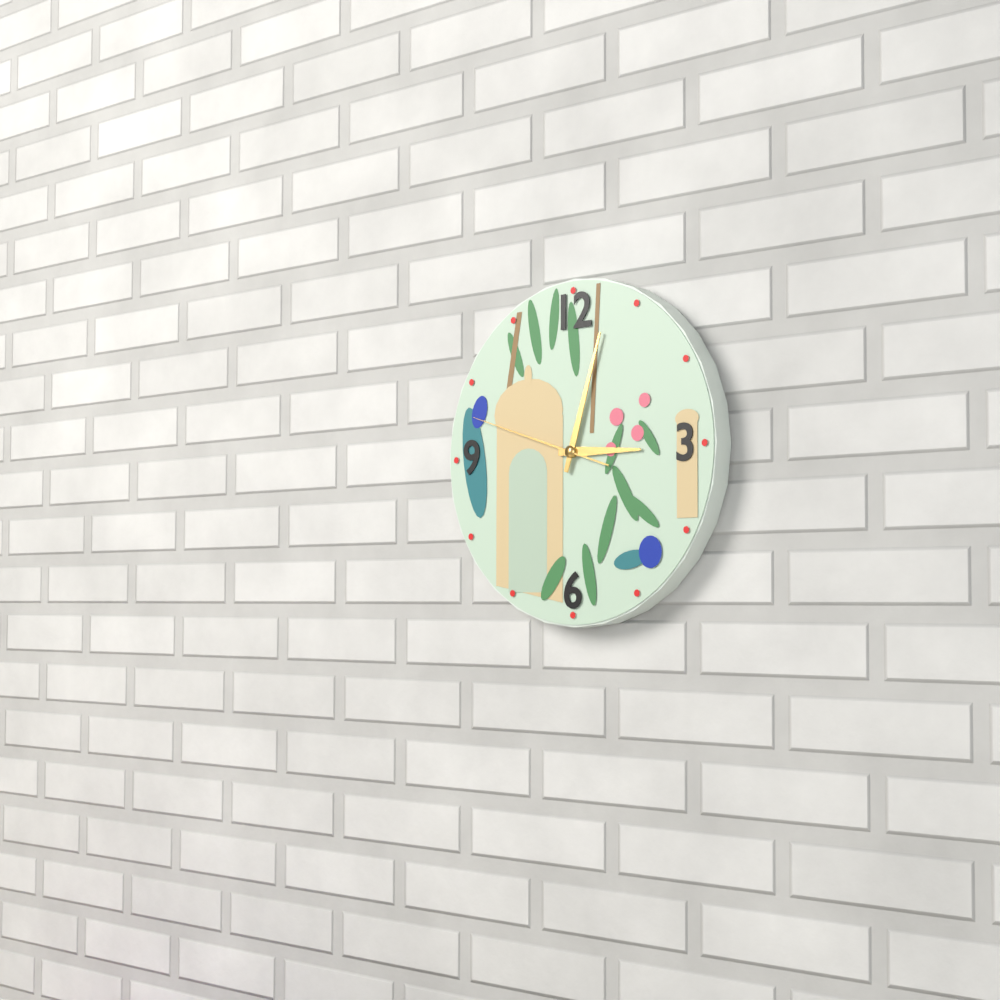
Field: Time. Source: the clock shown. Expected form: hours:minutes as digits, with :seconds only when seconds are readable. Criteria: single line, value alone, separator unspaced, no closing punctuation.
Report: 3:03:48
